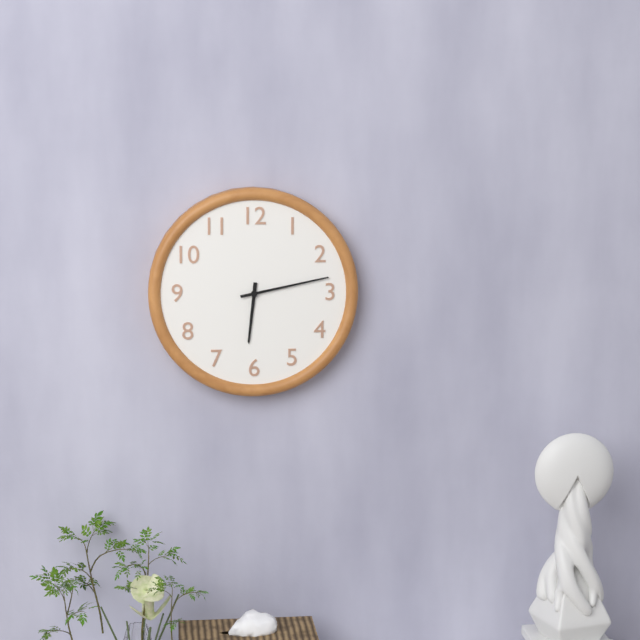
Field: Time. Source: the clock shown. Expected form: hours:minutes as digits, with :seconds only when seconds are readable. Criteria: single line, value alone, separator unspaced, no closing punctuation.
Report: 6:13
